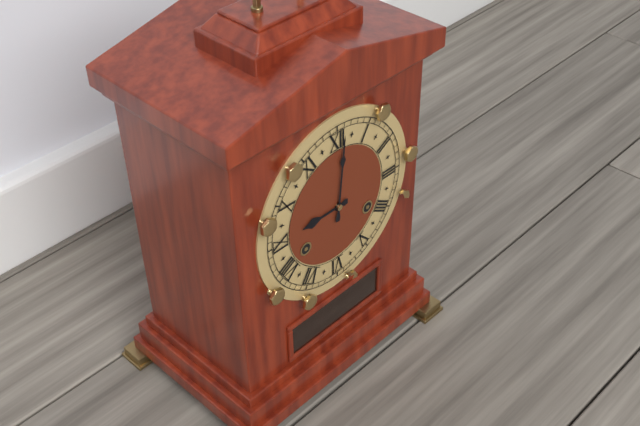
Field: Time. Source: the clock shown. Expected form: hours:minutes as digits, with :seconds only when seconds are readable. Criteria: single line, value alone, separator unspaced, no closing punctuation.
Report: 9:01
